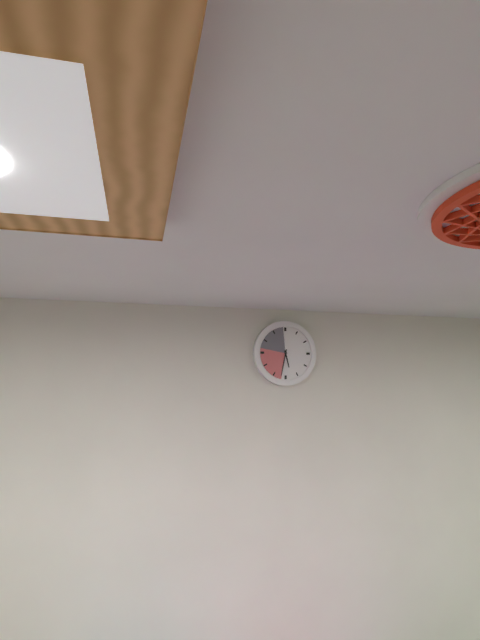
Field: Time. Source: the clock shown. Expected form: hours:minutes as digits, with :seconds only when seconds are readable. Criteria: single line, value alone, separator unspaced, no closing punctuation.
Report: 5:32
